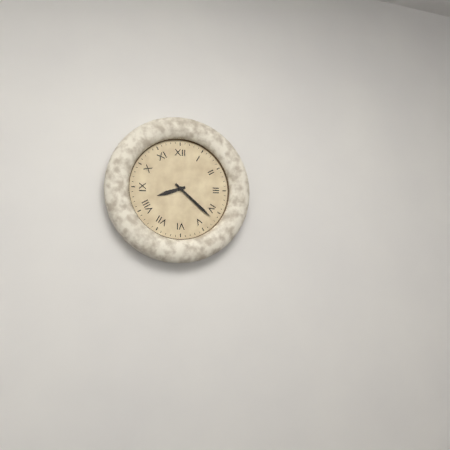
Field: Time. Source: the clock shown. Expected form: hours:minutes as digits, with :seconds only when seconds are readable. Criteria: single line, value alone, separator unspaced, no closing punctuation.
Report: 8:22
